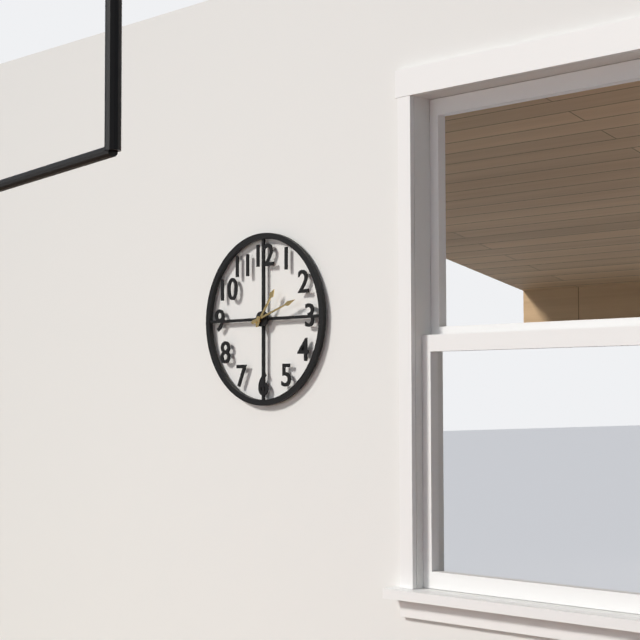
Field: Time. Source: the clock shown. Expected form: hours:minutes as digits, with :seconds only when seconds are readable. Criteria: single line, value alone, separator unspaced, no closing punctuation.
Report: 1:12
